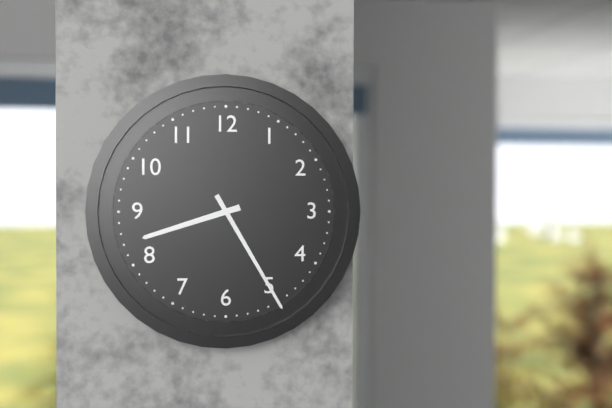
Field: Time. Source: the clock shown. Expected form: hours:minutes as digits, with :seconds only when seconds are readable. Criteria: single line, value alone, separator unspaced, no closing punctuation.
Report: 8:25
